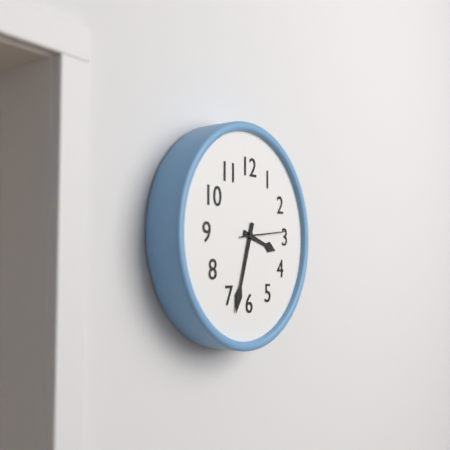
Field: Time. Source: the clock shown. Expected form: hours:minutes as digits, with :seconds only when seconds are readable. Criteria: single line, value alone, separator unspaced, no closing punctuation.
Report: 3:33
